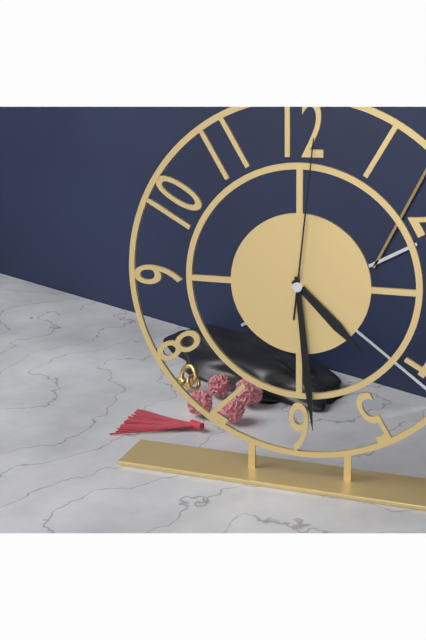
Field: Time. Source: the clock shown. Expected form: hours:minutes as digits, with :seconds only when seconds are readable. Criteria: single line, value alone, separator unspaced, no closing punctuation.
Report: 4:29:01
